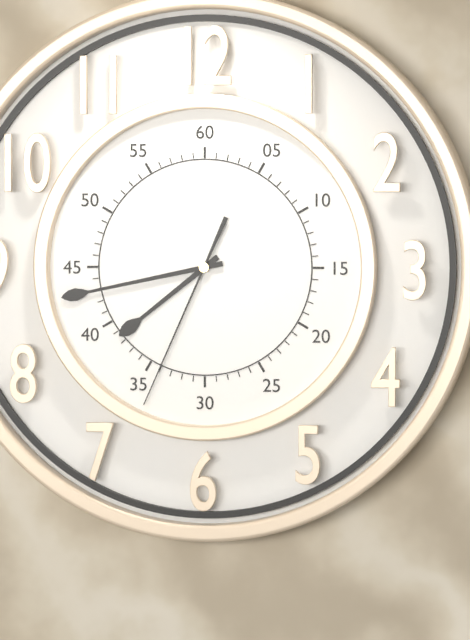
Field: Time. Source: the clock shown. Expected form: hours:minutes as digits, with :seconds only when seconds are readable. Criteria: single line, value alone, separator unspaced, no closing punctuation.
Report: 7:43:34
